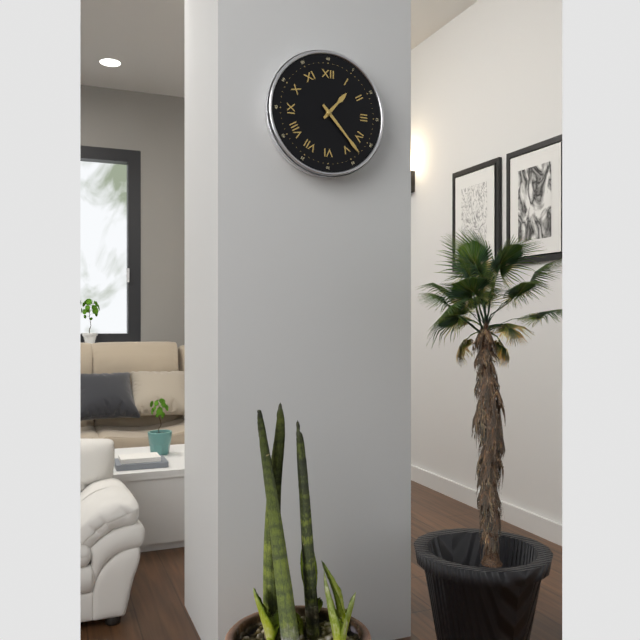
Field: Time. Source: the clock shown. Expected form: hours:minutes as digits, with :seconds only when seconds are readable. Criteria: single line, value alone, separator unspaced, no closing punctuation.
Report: 1:23
